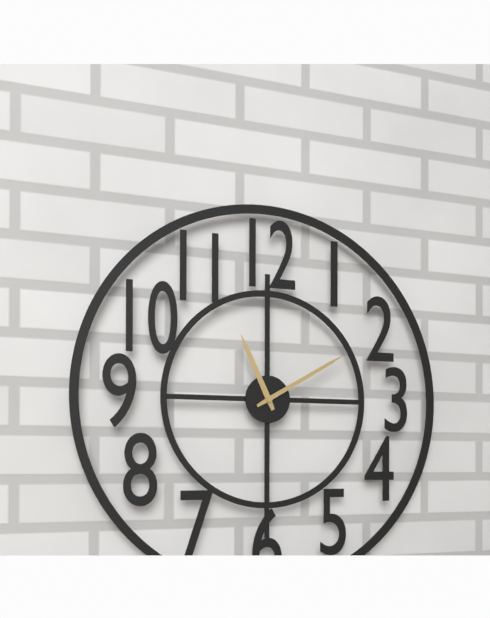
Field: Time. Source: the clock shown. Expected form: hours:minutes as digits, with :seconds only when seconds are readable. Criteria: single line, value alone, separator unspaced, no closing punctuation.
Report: 11:10
